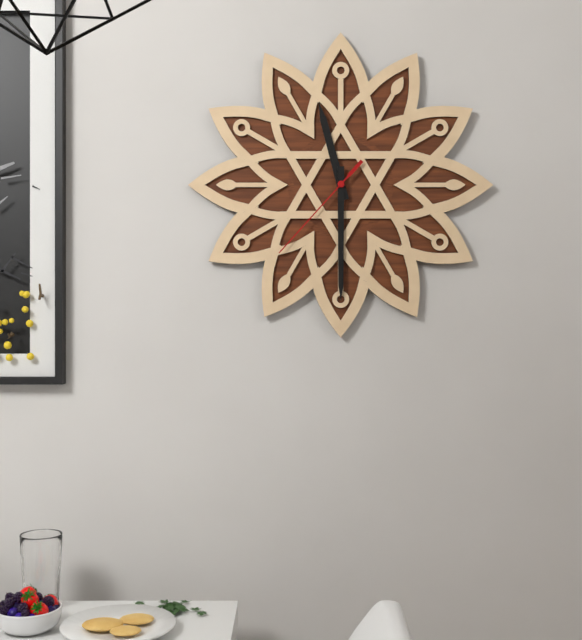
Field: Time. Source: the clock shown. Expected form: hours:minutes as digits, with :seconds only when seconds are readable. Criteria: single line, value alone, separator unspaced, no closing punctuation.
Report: 11:30:37
